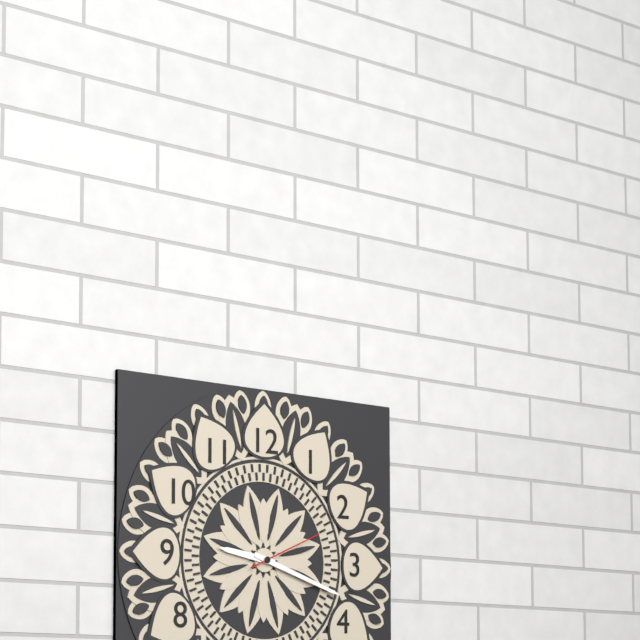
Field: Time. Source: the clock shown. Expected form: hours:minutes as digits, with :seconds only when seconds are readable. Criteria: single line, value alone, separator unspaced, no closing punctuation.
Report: 9:18:11
